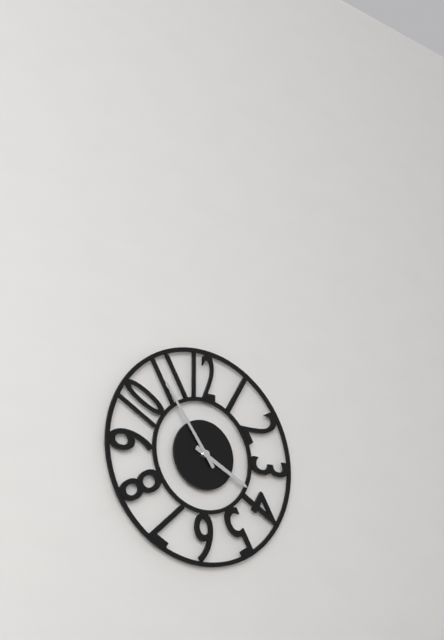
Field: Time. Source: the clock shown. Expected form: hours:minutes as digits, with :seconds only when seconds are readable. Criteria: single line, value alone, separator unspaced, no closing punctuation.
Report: 3:54
